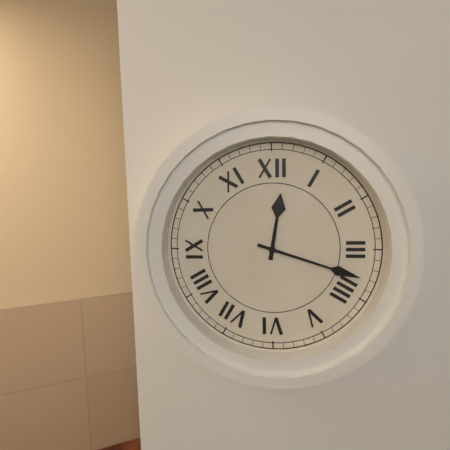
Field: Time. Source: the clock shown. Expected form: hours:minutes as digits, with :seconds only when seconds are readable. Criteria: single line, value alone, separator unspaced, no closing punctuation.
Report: 12:18
